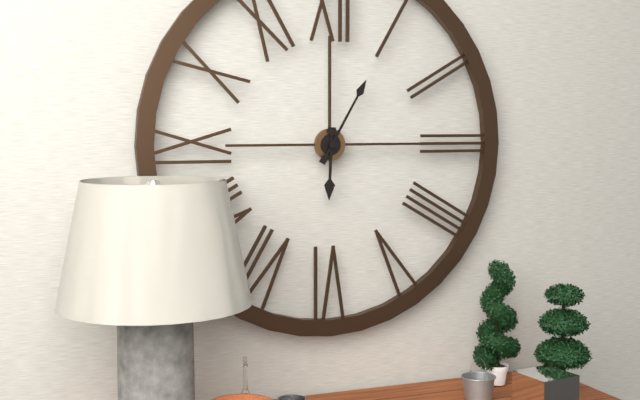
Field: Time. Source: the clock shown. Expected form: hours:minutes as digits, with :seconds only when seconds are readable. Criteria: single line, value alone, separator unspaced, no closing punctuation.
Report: 6:05
